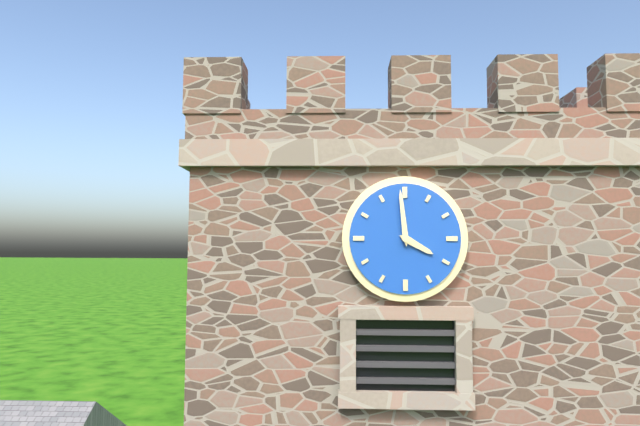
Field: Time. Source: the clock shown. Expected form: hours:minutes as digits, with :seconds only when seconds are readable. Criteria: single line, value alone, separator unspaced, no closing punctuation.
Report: 3:59
